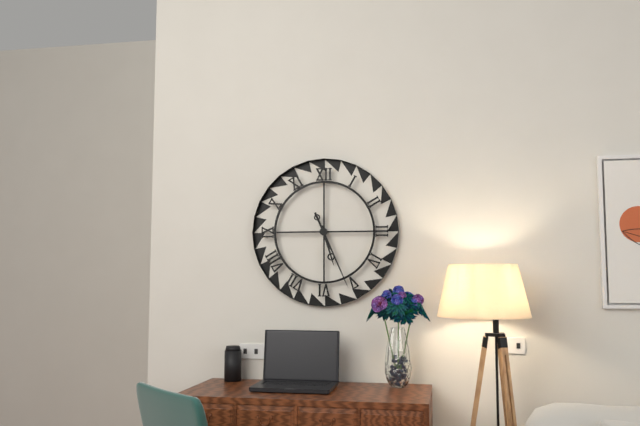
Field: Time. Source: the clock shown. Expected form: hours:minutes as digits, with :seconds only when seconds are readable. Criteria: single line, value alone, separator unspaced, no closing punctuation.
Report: 5:26
